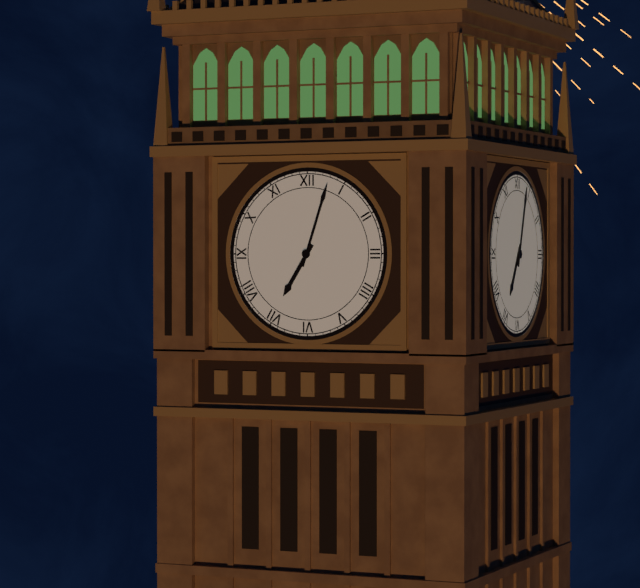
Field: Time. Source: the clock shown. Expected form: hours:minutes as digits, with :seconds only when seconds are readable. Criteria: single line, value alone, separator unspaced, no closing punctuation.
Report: 7:03
